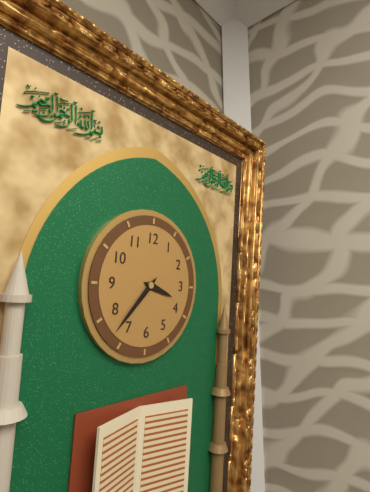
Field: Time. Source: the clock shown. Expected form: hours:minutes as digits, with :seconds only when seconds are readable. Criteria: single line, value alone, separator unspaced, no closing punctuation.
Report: 3:37
